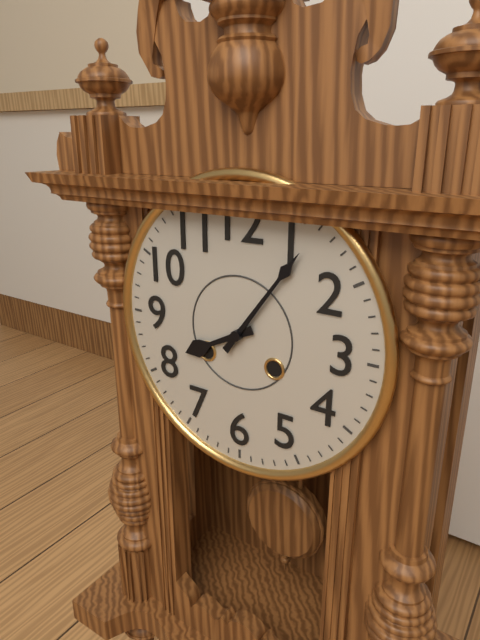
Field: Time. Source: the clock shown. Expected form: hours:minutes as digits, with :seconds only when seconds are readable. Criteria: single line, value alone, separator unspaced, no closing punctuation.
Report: 8:06
